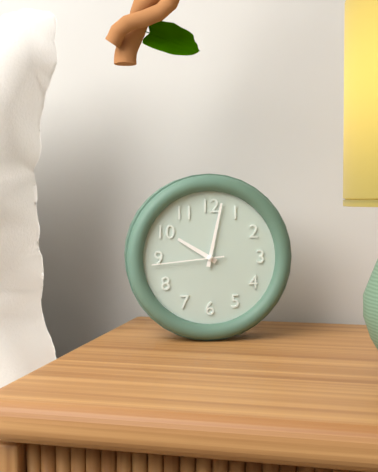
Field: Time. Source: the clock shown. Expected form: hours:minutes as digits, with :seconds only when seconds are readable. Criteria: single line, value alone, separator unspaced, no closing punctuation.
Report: 10:02:44
